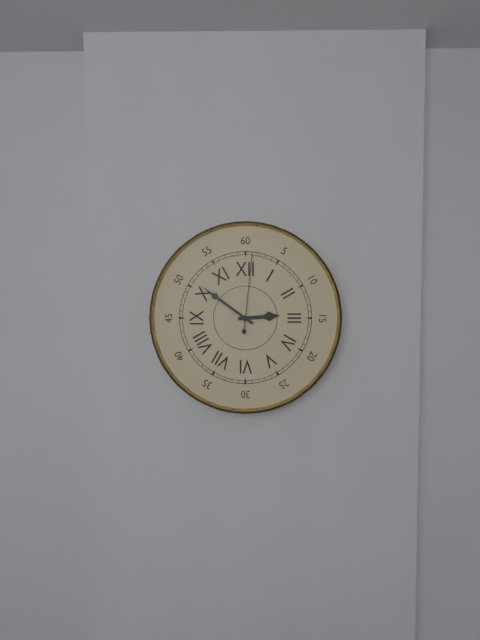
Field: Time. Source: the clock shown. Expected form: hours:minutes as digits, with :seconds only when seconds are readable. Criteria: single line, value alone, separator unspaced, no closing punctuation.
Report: 2:51:01
